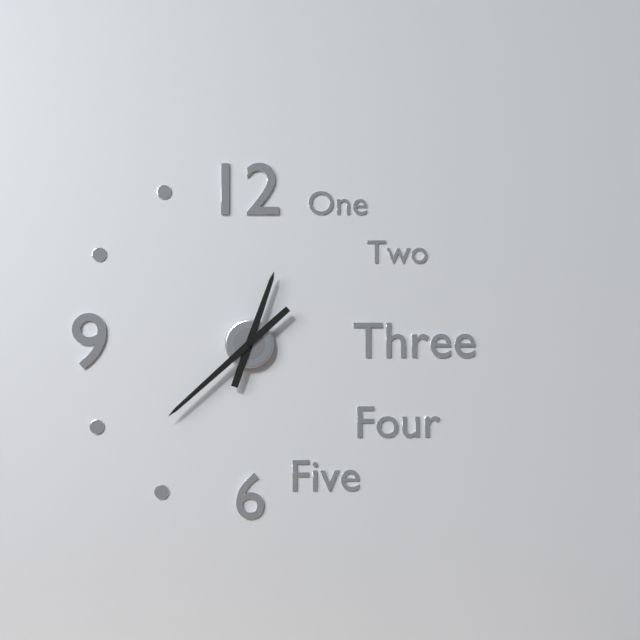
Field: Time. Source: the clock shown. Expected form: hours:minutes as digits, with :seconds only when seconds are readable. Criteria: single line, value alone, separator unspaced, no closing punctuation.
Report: 12:38
